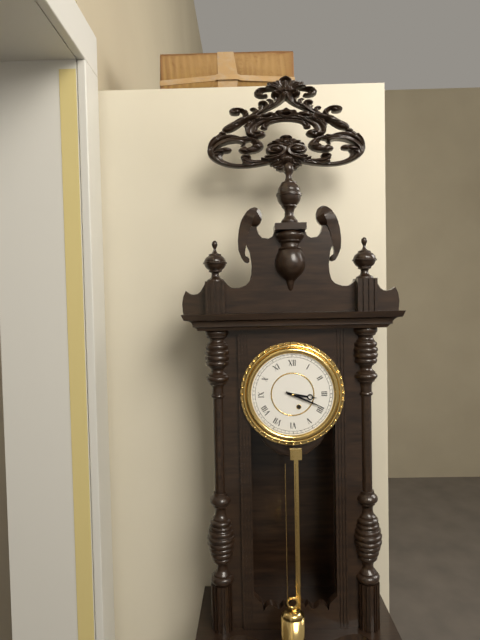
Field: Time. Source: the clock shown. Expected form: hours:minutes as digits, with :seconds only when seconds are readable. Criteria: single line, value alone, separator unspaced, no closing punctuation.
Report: 3:19
